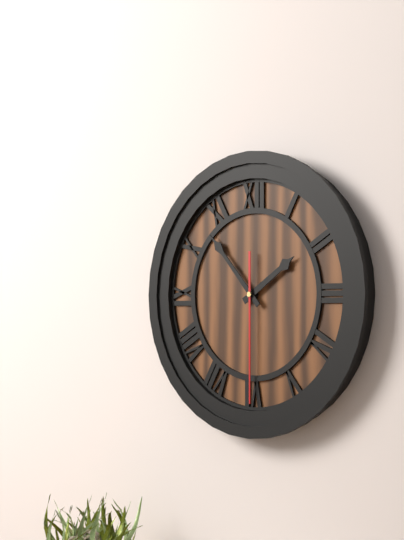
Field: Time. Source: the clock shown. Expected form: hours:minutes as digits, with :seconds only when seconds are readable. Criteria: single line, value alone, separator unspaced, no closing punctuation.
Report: 1:53:30
